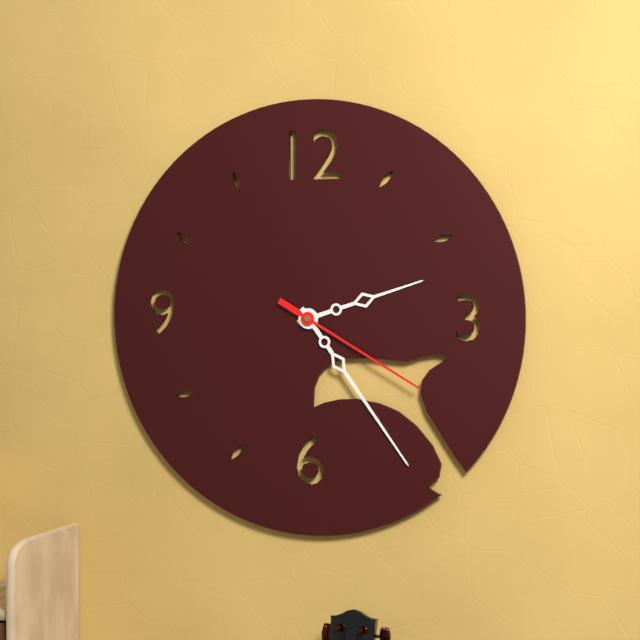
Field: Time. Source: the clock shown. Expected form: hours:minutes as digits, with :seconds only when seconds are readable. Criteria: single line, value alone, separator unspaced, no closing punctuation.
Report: 2:24:20
